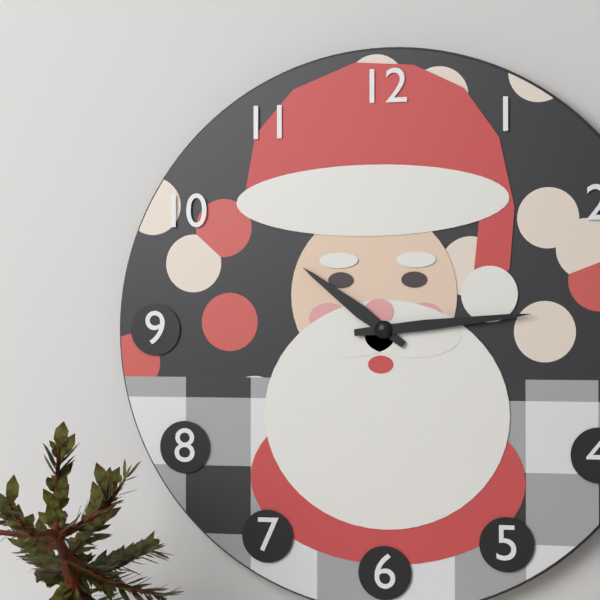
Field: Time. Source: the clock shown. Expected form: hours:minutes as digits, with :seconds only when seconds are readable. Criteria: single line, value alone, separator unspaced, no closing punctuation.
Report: 10:14
